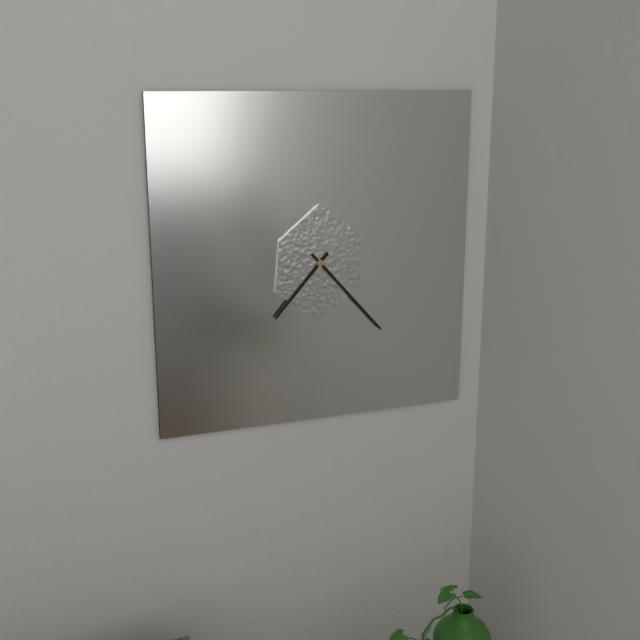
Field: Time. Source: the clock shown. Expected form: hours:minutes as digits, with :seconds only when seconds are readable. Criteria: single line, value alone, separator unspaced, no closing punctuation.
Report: 7:23
